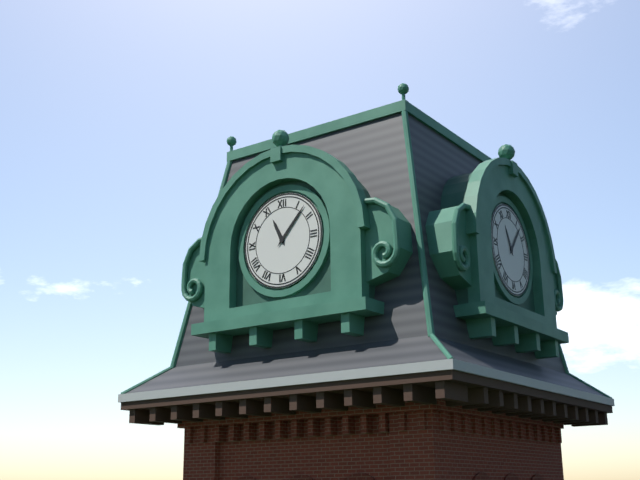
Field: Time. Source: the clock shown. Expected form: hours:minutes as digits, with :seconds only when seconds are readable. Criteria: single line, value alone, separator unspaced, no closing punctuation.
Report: 11:07
